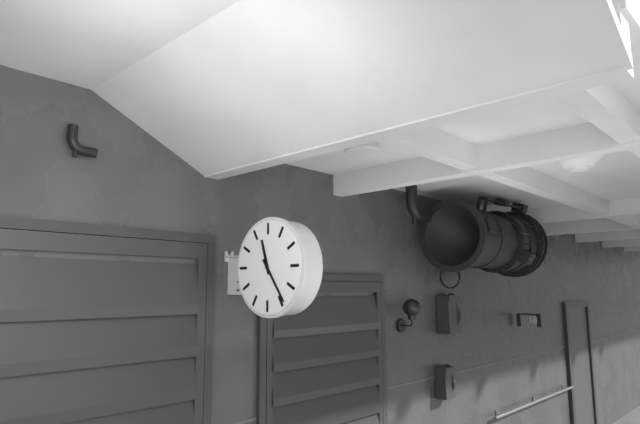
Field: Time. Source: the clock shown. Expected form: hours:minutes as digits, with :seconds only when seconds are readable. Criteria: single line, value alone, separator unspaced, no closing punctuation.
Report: 11:24
